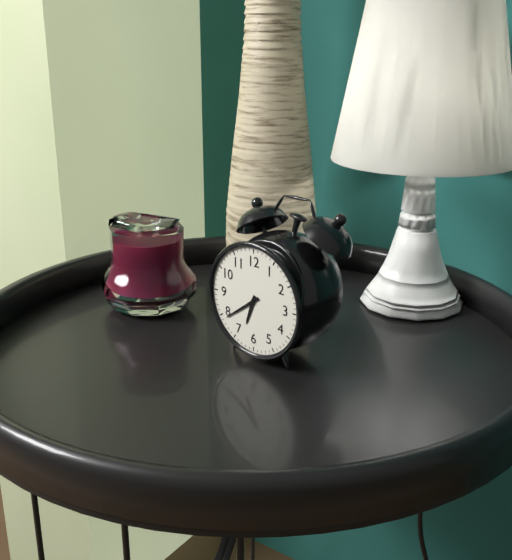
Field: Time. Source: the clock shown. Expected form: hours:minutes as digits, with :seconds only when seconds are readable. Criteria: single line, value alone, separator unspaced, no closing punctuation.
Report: 6:39
